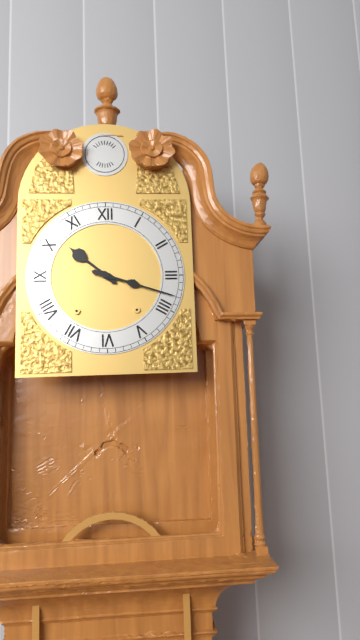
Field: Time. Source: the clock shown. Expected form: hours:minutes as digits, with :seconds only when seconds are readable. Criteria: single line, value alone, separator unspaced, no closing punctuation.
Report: 10:18
